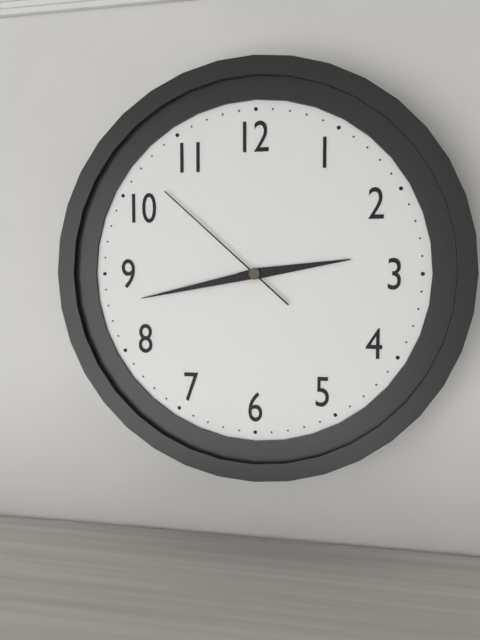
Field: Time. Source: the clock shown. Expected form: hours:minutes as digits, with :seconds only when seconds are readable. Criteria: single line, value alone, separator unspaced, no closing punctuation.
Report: 2:43:52
